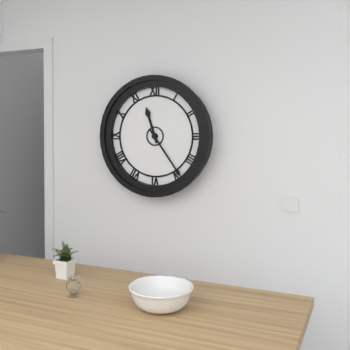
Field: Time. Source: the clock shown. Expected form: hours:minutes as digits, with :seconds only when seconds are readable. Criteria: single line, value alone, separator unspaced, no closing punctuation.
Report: 11:24
